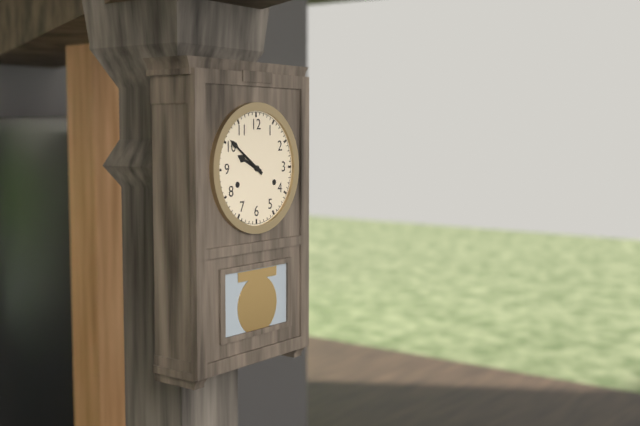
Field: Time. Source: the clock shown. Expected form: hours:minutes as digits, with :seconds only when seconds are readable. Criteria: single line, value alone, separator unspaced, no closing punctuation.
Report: 9:51
